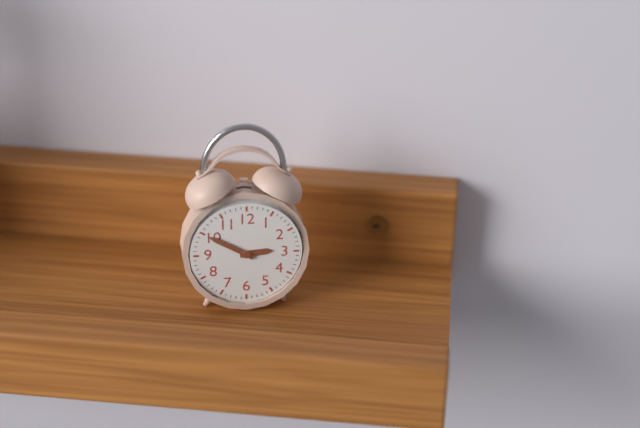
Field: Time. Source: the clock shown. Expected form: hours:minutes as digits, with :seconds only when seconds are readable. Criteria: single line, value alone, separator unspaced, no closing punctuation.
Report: 2:50
